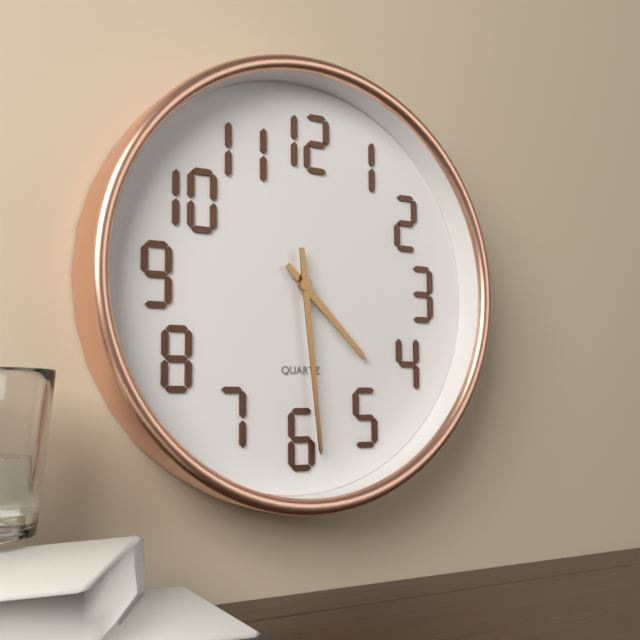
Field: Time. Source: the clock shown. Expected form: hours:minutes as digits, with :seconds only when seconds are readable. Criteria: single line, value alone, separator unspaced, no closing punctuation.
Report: 4:29
